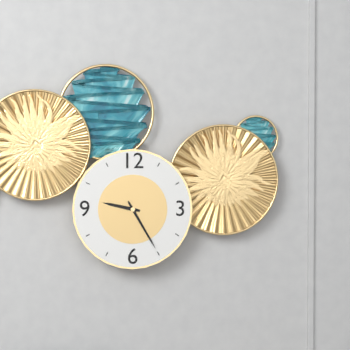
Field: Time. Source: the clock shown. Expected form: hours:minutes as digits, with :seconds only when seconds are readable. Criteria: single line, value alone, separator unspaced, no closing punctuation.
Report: 9:25
